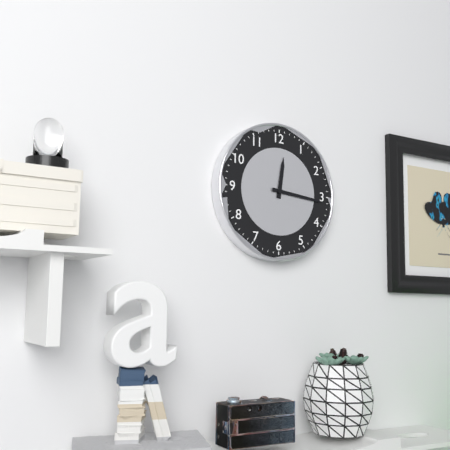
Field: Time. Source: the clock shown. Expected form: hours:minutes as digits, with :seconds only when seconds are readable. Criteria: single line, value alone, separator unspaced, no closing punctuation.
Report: 12:16
